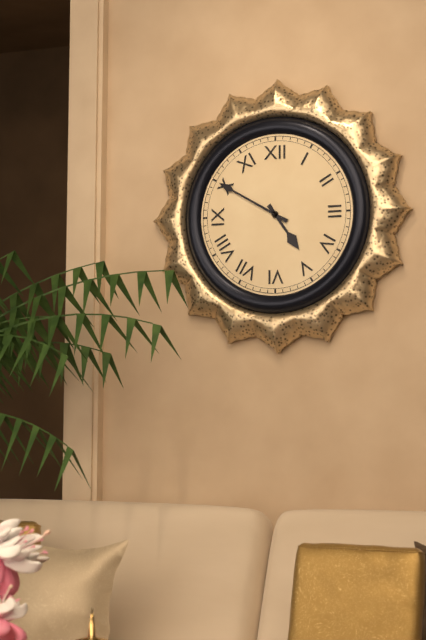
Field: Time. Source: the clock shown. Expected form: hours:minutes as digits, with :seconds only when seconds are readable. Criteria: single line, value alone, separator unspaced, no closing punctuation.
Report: 4:50
